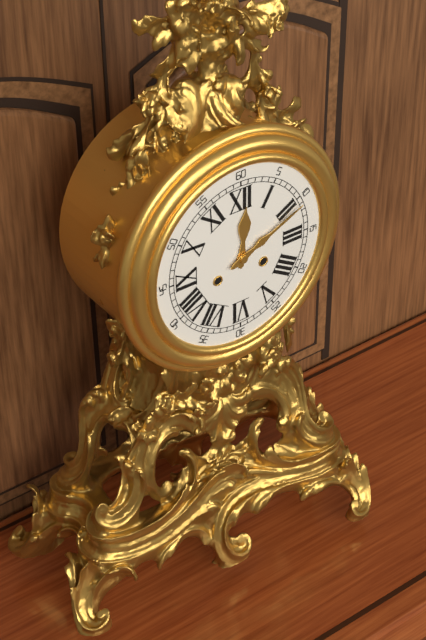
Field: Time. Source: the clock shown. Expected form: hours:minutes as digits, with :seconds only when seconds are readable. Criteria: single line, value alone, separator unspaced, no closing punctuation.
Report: 12:11
